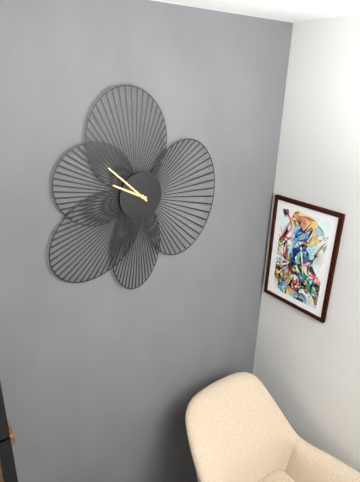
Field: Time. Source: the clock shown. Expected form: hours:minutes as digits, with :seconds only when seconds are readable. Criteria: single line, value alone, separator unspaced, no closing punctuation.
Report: 9:52
